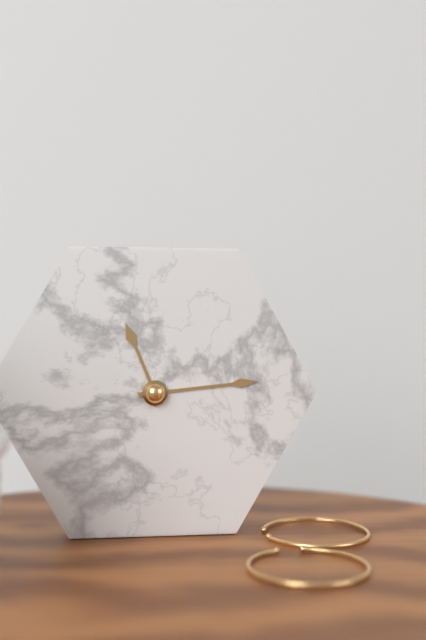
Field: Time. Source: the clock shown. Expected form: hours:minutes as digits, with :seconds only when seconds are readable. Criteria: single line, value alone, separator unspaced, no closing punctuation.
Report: 11:14
